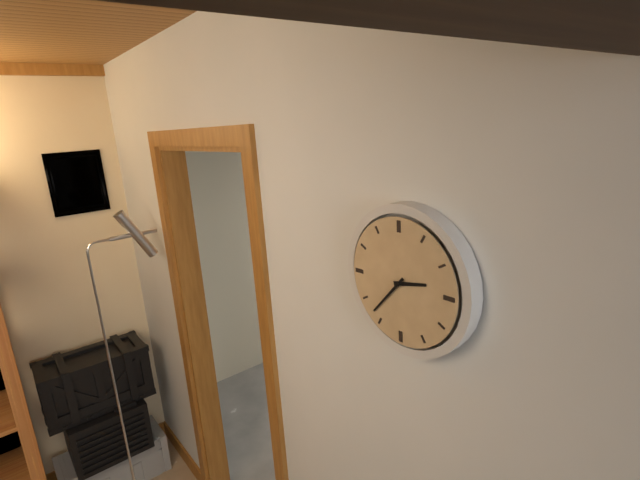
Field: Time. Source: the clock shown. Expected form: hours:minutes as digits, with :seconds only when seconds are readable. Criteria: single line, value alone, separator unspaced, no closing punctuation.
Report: 2:37
